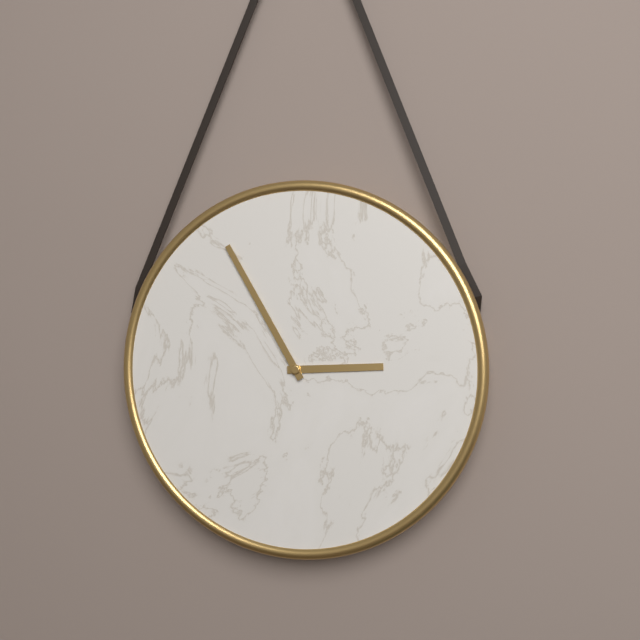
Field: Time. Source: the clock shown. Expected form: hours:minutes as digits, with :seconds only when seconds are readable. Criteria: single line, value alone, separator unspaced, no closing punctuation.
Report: 2:55
